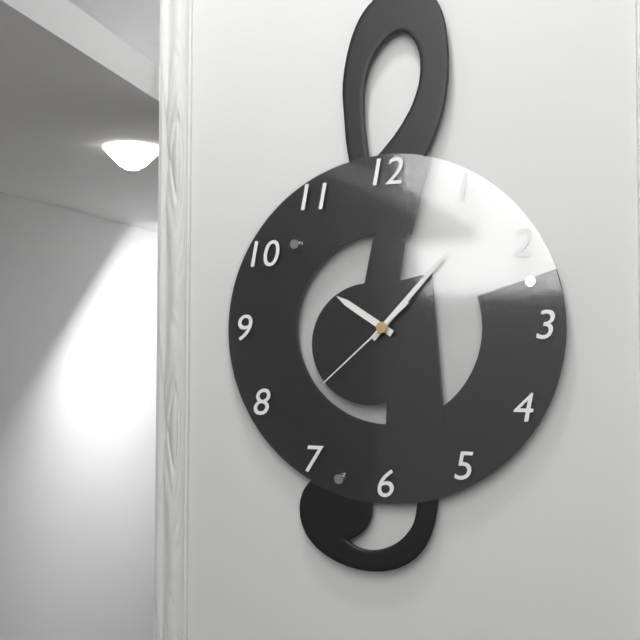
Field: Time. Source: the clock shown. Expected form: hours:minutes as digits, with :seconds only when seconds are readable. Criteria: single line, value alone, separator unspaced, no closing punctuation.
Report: 10:07:38
